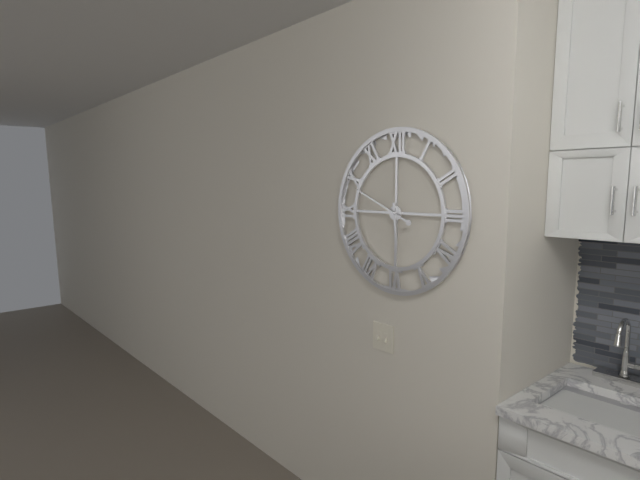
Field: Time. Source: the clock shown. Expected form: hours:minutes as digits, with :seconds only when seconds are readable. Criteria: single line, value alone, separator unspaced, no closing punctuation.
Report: 5:49
